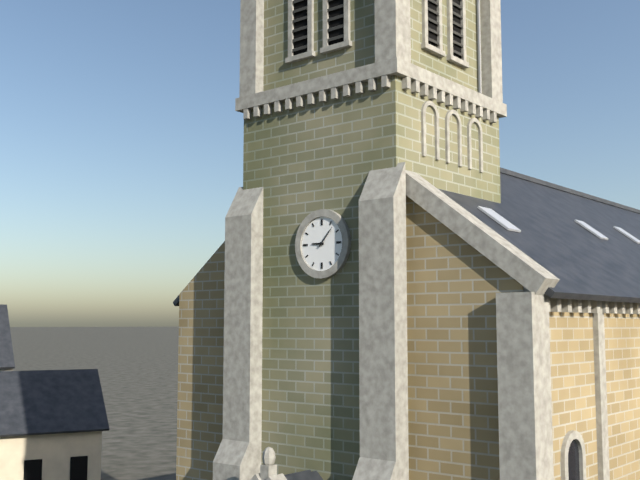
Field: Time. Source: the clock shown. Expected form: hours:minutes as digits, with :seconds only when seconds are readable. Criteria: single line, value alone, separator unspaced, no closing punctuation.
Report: 9:07
